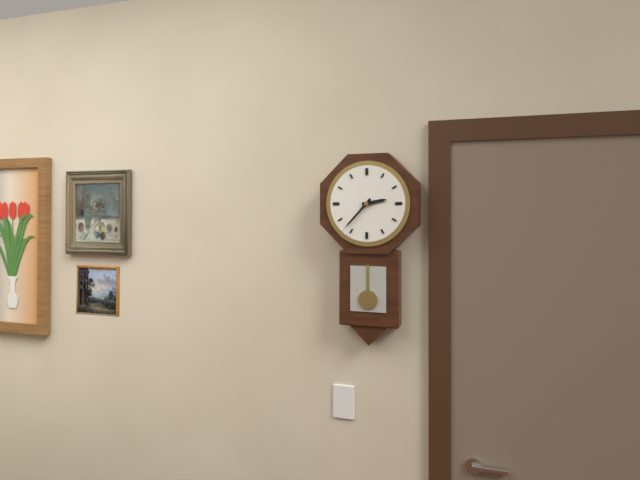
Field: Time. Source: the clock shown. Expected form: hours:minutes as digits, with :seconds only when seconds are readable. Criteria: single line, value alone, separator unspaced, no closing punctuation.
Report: 2:37
